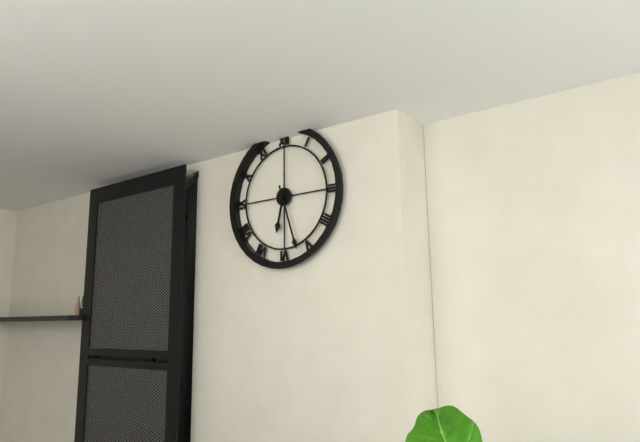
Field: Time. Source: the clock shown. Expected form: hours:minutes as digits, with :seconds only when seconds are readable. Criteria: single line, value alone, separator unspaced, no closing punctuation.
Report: 6:27
